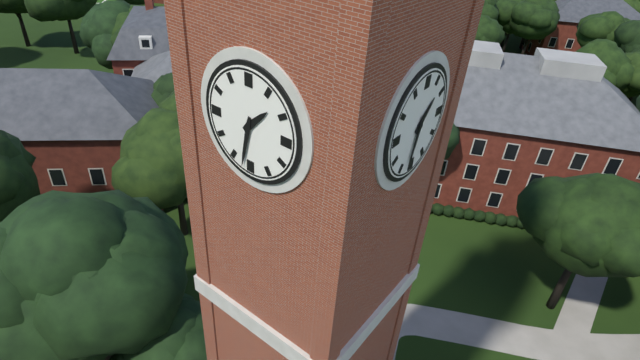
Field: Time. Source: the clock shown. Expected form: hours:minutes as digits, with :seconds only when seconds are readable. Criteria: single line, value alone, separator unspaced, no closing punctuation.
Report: 1:32
